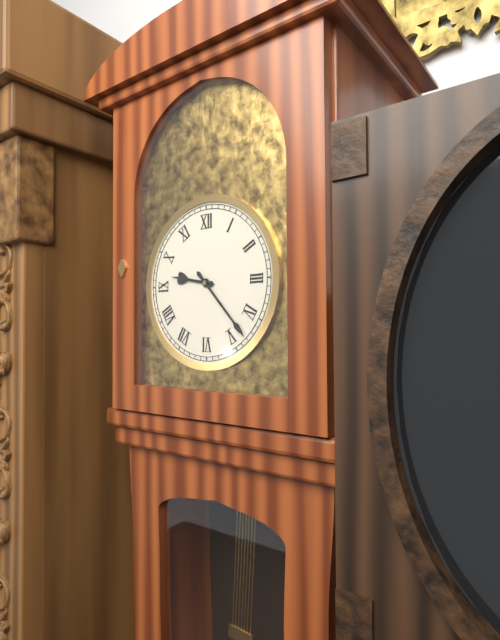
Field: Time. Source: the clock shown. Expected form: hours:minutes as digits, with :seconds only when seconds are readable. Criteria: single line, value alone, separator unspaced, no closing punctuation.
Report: 9:23
